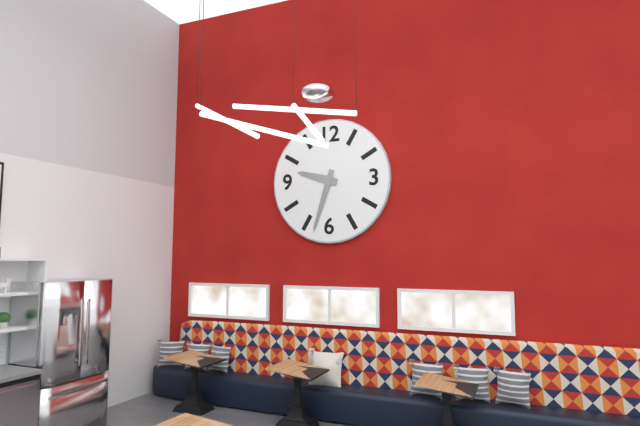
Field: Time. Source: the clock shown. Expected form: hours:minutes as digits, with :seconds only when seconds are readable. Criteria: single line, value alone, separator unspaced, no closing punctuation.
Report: 9:33
